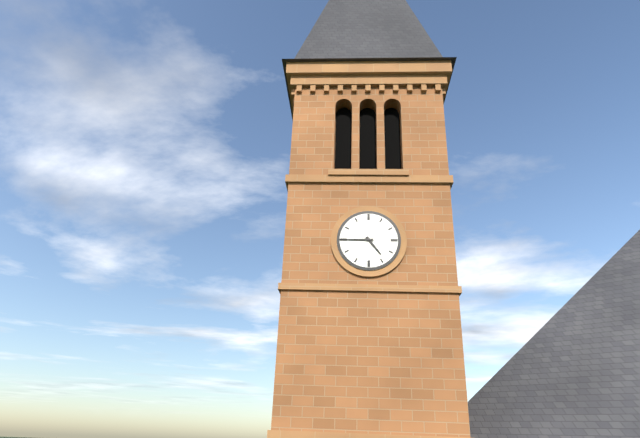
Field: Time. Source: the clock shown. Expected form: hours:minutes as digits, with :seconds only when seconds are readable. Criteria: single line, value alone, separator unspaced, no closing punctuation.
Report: 4:45
